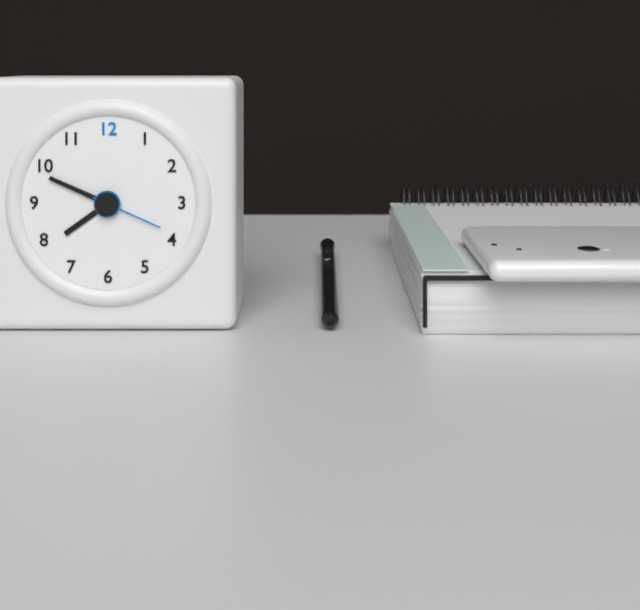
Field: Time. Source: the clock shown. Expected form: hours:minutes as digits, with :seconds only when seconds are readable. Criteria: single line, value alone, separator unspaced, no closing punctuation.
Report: 7:49:19
